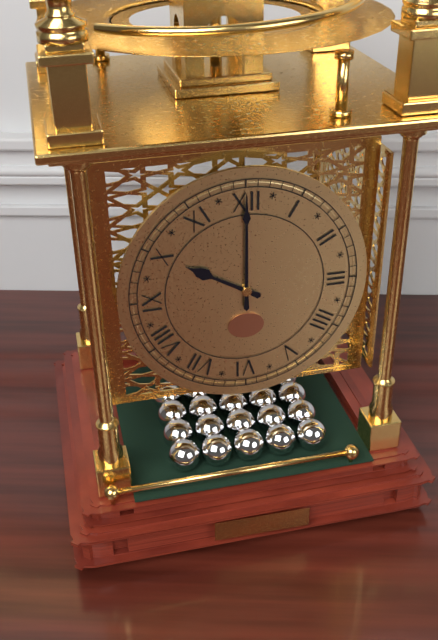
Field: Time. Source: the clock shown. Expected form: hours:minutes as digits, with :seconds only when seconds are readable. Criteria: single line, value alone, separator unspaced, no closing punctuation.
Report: 10:00
